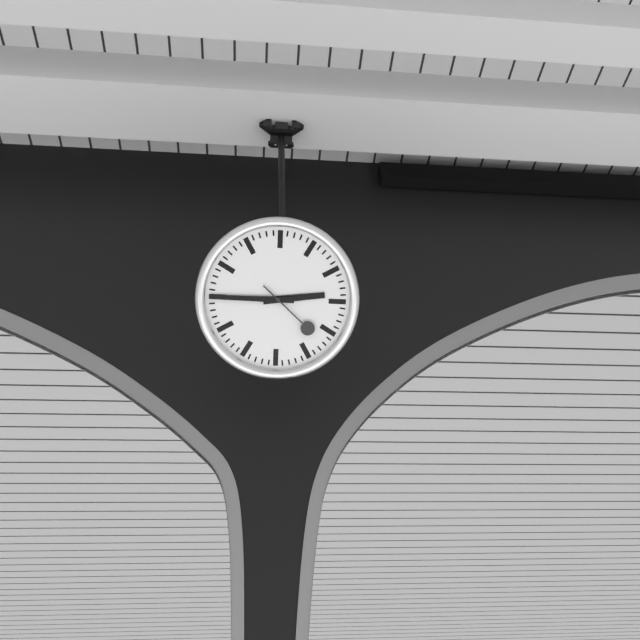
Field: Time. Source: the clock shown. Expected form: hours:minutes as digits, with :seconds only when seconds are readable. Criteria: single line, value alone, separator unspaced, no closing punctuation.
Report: 2:45:22
